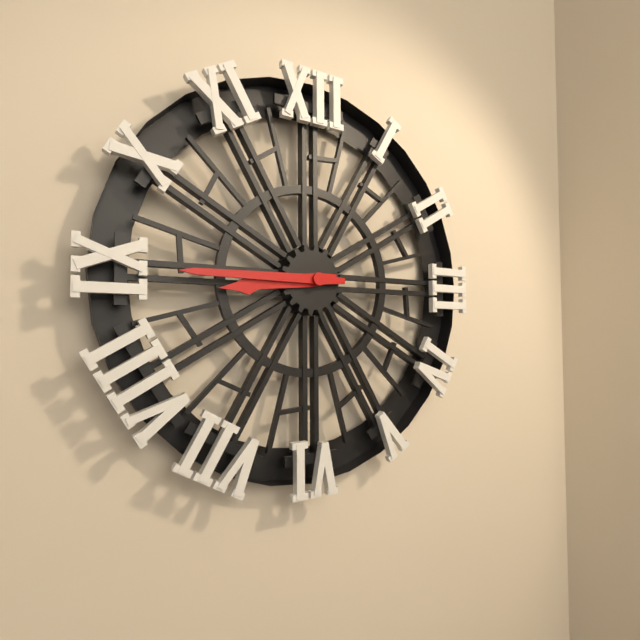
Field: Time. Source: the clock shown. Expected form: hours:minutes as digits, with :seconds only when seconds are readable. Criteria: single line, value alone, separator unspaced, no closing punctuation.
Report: 8:45
